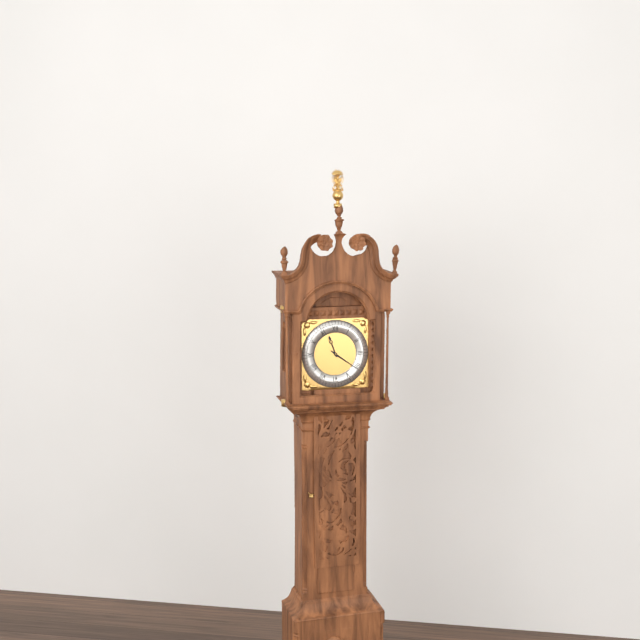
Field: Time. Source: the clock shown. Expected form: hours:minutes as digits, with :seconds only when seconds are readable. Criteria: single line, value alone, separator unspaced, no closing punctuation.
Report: 11:21
